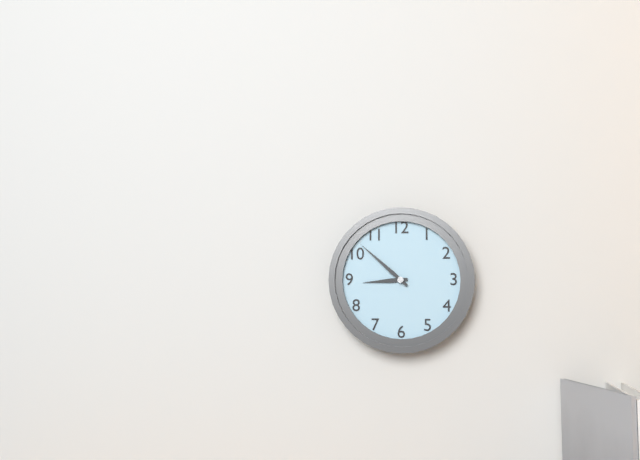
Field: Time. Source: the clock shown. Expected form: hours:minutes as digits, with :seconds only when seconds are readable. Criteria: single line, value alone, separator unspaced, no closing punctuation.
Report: 8:52
